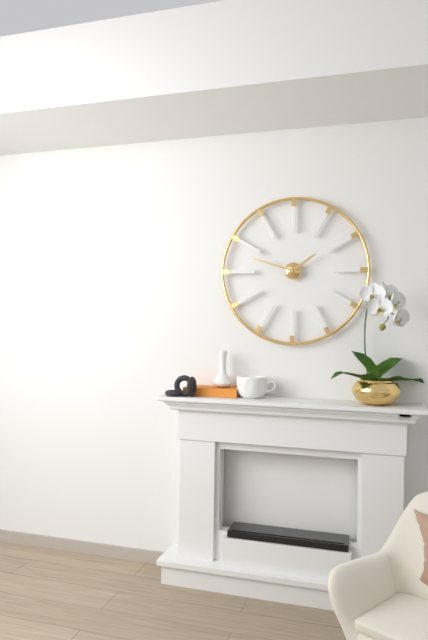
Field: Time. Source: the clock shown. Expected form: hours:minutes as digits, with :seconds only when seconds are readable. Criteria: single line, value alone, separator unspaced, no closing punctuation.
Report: 1:48
